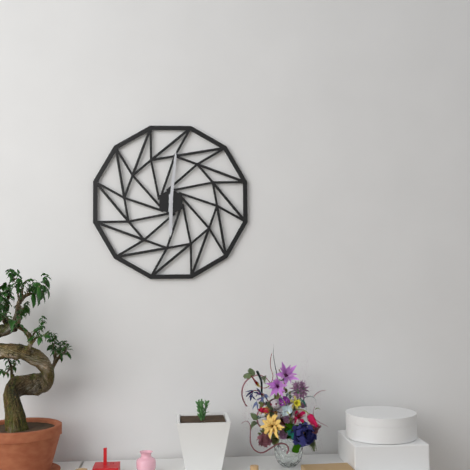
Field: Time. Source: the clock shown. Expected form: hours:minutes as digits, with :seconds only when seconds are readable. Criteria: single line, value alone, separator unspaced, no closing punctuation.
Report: 6:01
